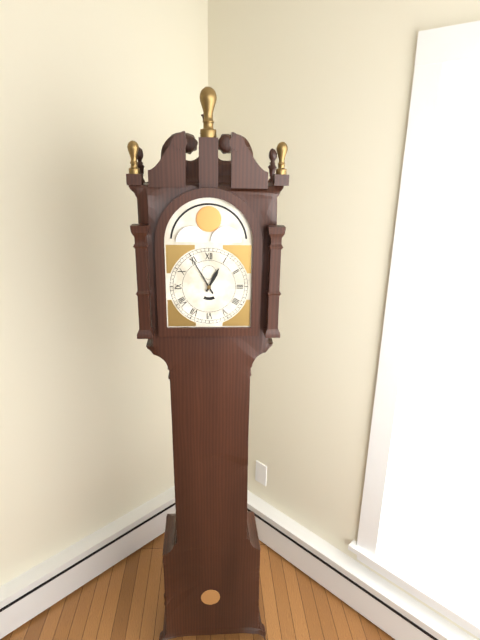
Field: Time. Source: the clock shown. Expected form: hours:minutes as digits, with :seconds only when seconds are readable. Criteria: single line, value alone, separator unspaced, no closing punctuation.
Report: 12:55
